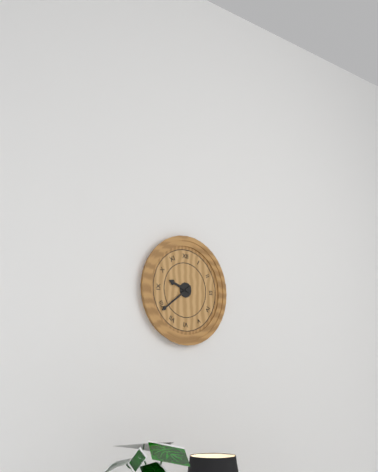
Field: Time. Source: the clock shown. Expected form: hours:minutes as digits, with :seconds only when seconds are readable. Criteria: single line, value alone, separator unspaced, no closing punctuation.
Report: 9:39
